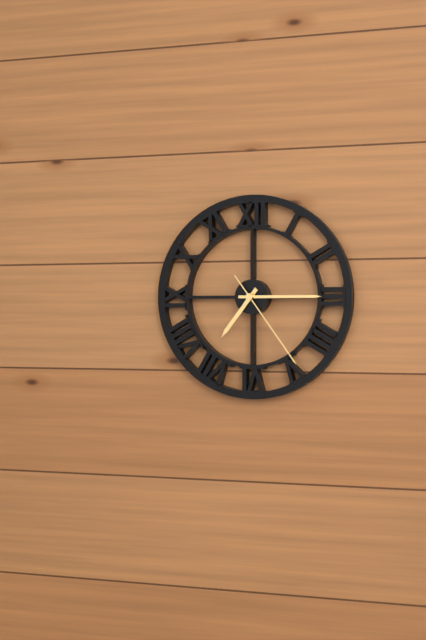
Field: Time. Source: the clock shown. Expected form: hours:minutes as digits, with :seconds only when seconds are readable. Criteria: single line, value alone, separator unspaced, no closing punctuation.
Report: 7:15:24
